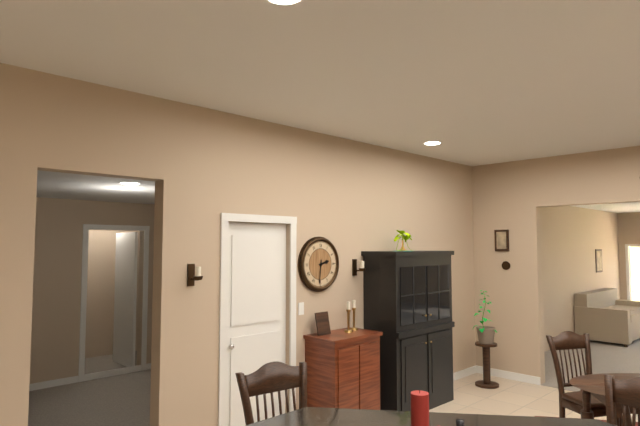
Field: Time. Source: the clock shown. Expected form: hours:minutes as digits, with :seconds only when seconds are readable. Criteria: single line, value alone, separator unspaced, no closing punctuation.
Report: 2:31
